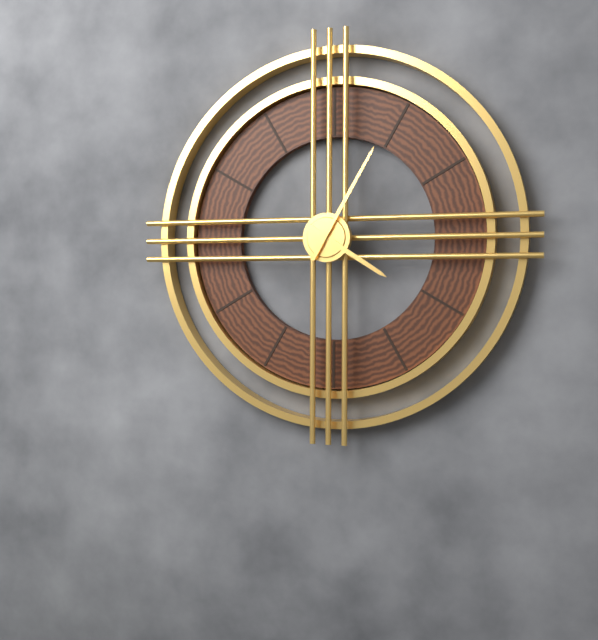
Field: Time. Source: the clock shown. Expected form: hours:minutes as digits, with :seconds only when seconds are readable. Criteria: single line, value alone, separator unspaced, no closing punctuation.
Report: 4:05
